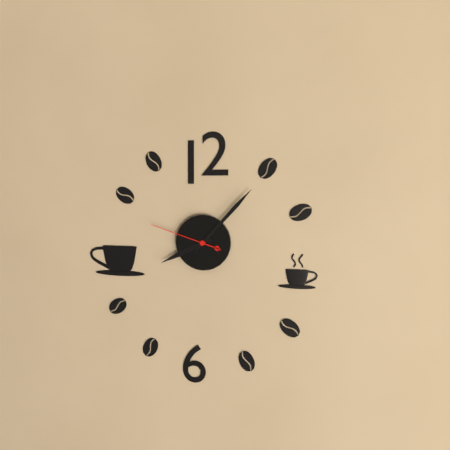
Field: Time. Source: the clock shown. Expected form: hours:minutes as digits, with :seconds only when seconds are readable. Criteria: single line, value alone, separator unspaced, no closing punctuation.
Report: 8:07:48
